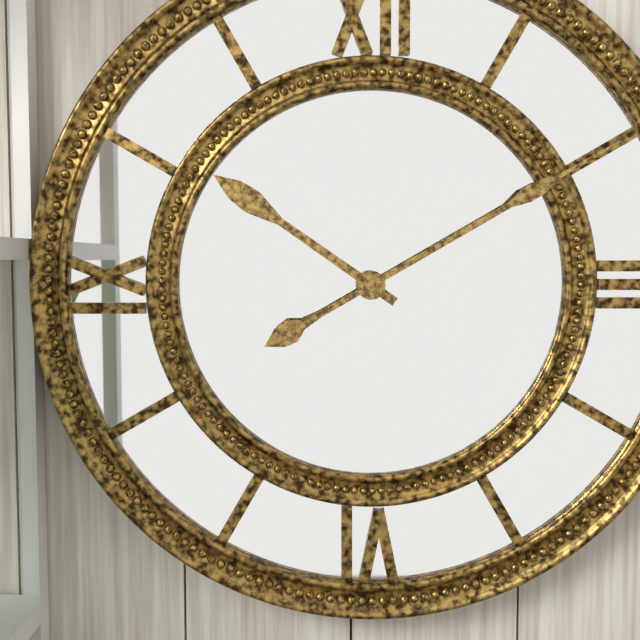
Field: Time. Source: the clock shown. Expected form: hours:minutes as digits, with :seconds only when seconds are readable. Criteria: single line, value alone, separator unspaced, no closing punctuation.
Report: 10:10
